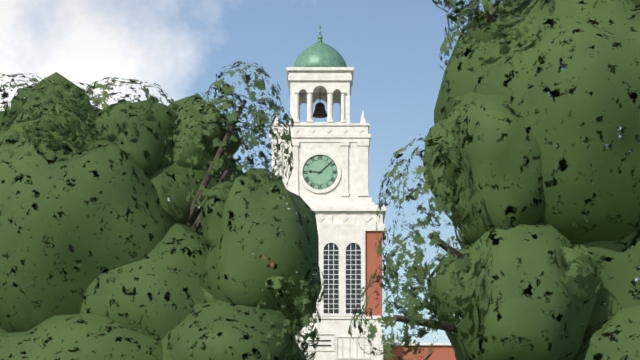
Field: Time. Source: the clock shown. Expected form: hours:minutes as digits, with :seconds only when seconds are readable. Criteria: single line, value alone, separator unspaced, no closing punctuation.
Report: 9:08
